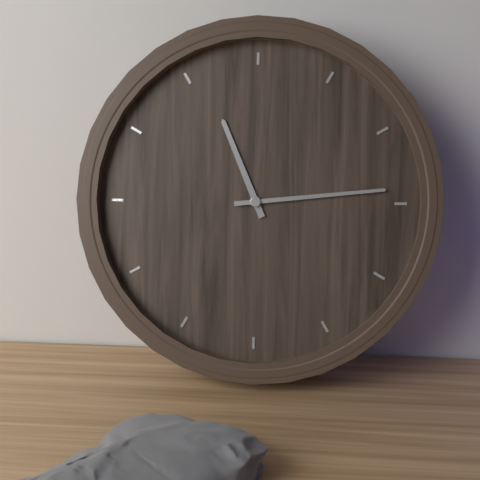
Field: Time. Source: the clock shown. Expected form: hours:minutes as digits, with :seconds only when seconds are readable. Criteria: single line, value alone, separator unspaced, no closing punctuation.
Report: 11:14
